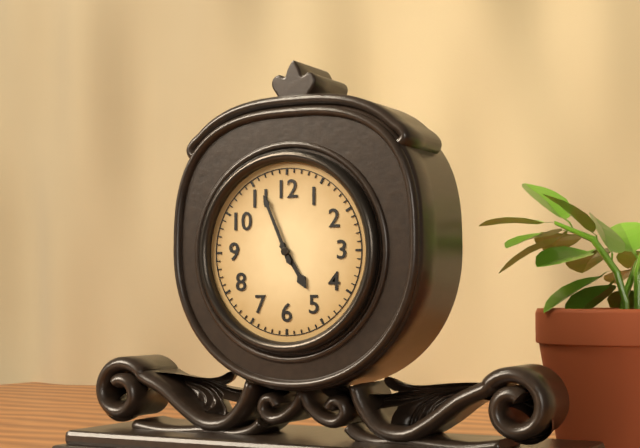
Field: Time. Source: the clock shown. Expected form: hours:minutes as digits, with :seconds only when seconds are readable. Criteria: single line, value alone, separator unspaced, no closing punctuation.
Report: 4:56
